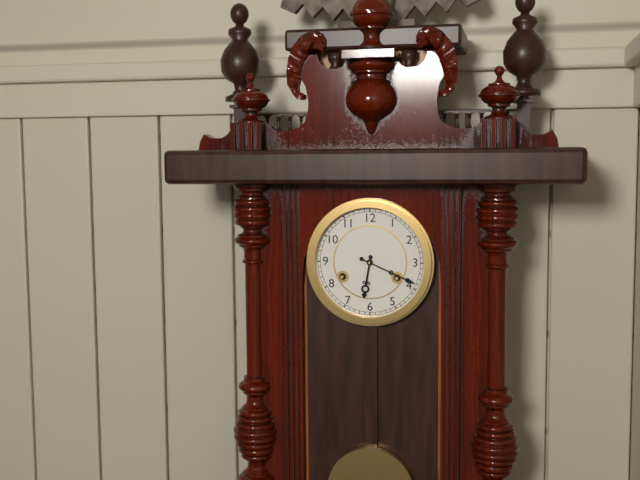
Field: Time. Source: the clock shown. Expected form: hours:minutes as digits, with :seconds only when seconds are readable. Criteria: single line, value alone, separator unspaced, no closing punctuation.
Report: 6:19
